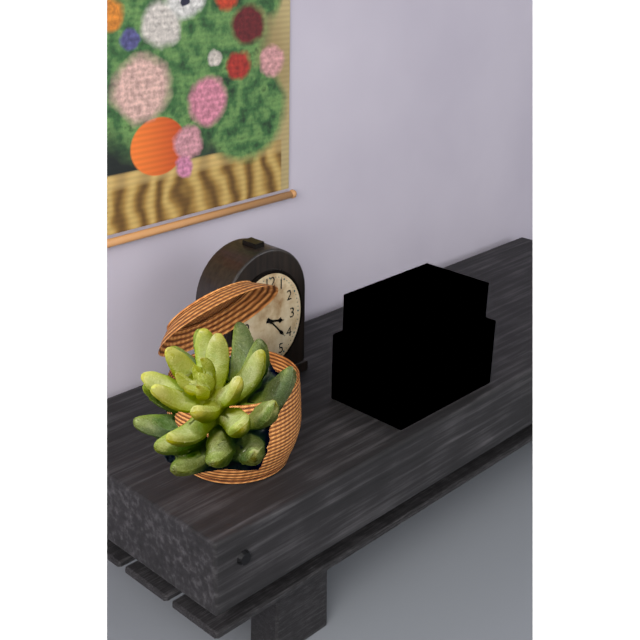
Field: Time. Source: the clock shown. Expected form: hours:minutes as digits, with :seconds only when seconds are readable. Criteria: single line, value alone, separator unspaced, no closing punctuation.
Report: 3:23
